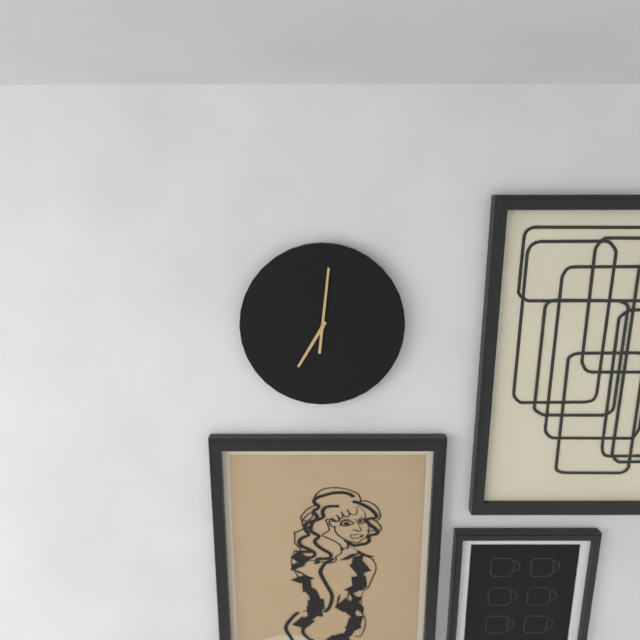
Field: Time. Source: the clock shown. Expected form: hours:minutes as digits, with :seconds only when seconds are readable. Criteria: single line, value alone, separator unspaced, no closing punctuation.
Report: 7:01
